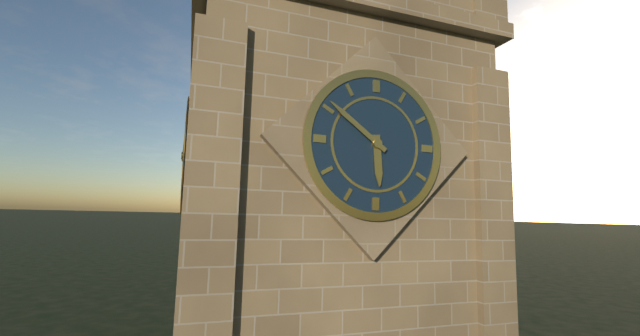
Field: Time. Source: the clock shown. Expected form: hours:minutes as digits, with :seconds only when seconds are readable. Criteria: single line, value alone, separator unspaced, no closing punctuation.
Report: 5:51
